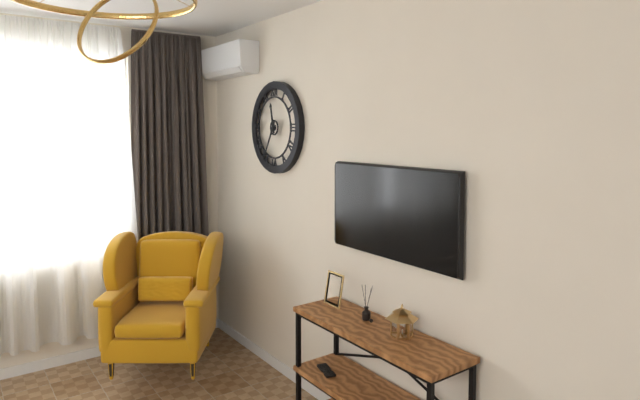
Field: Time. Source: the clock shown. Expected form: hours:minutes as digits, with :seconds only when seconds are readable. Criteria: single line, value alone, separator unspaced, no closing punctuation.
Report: 11:35
